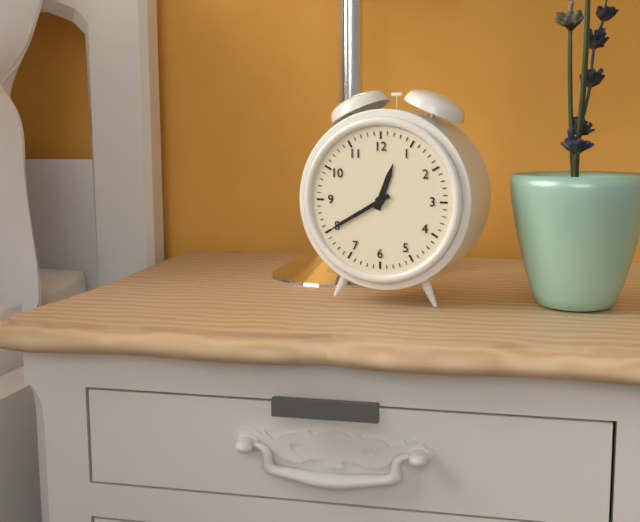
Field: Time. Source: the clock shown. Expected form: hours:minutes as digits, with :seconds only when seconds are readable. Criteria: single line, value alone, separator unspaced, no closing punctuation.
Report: 12:40
